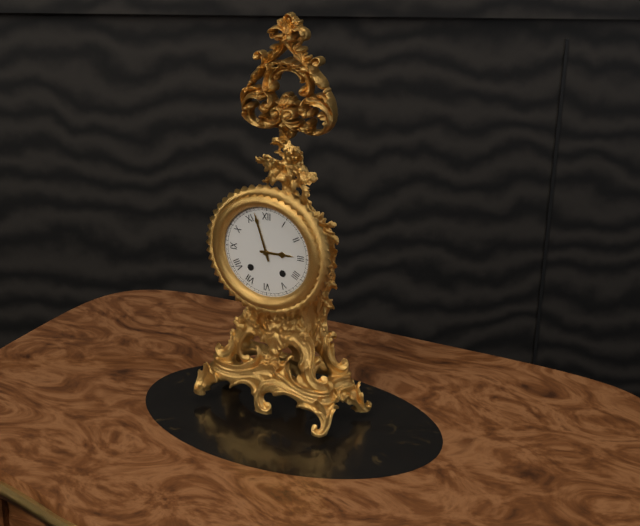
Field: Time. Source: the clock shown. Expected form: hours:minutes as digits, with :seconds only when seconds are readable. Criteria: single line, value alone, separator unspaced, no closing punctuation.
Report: 2:57
